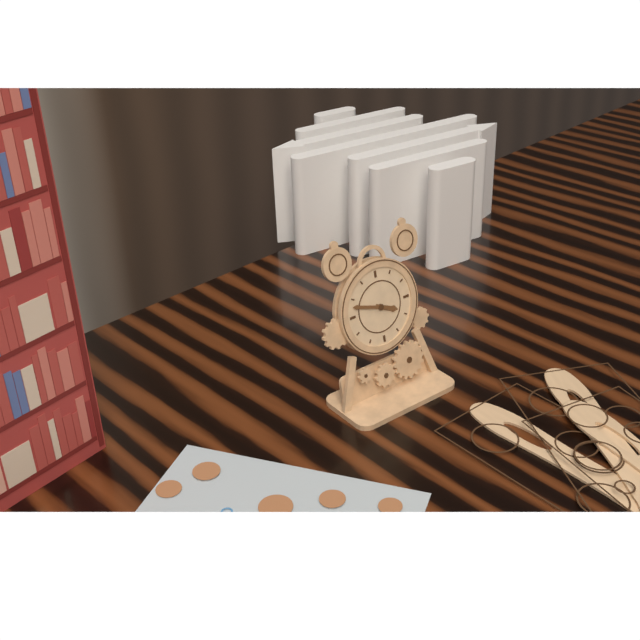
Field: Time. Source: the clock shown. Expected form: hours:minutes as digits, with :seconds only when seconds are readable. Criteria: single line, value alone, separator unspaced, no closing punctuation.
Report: 3:48
